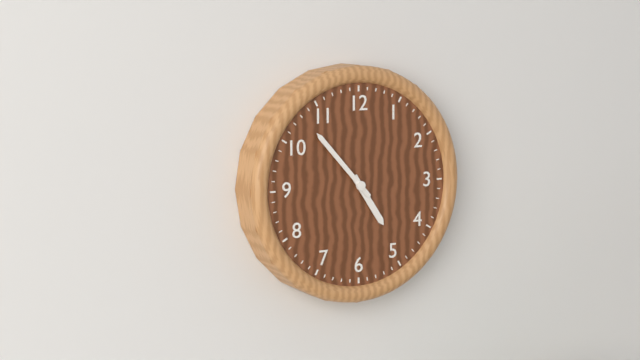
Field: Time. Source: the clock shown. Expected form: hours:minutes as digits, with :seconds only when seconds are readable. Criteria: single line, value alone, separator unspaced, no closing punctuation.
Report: 4:53
